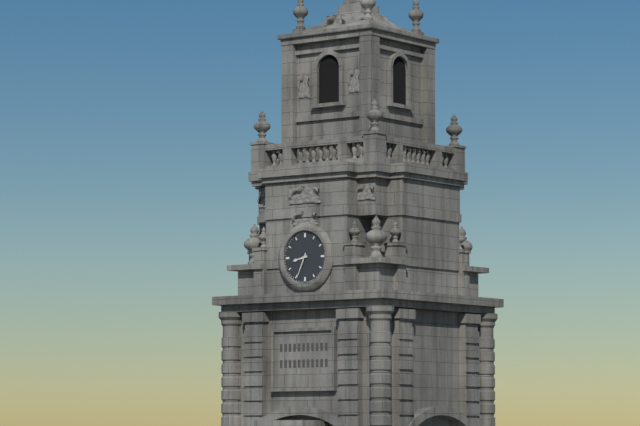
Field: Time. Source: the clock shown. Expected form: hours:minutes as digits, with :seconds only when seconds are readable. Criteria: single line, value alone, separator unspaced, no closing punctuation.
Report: 8:34
